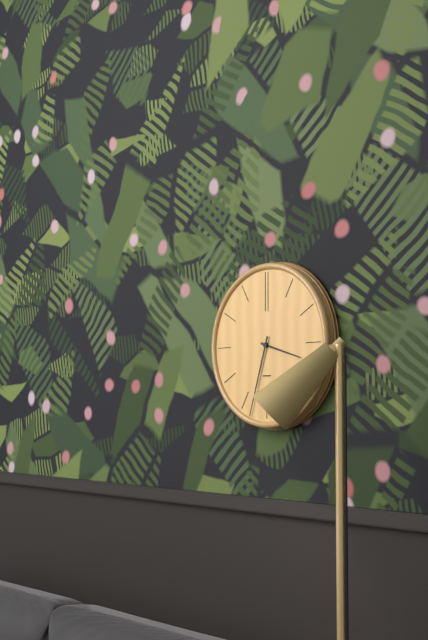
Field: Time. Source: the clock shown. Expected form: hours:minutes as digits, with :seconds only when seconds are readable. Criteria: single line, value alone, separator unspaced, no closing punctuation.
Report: 3:33
